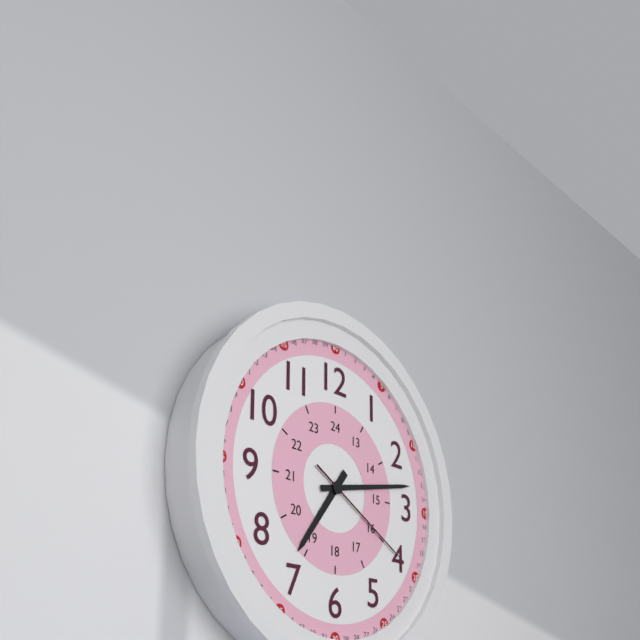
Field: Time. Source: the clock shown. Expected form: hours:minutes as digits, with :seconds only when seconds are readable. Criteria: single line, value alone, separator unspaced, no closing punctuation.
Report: 7:13:20
